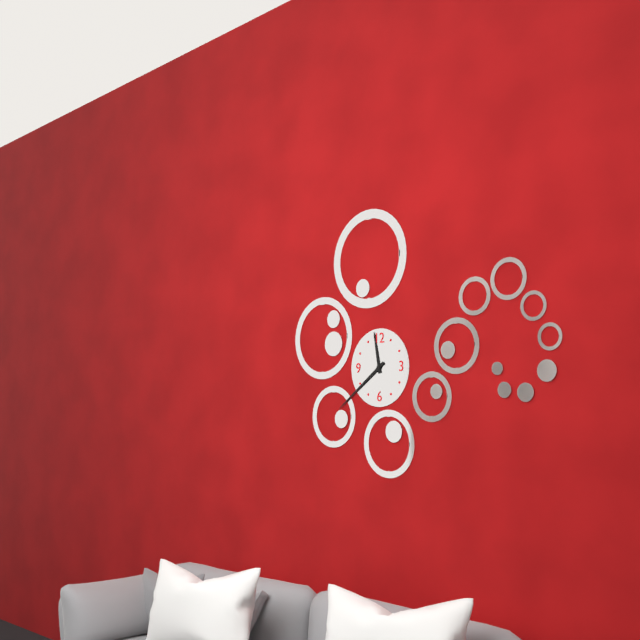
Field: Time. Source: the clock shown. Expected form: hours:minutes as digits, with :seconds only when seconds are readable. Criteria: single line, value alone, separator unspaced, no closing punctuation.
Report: 11:39
